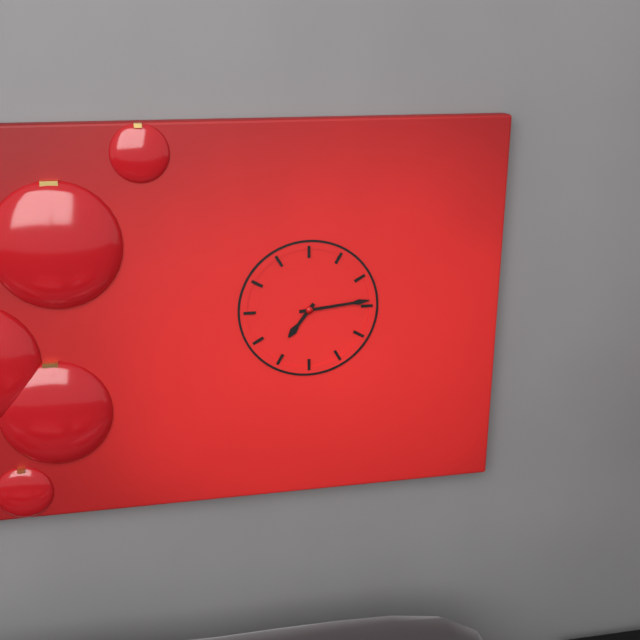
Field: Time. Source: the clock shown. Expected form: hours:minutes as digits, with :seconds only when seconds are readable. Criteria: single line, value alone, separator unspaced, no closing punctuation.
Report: 7:14
